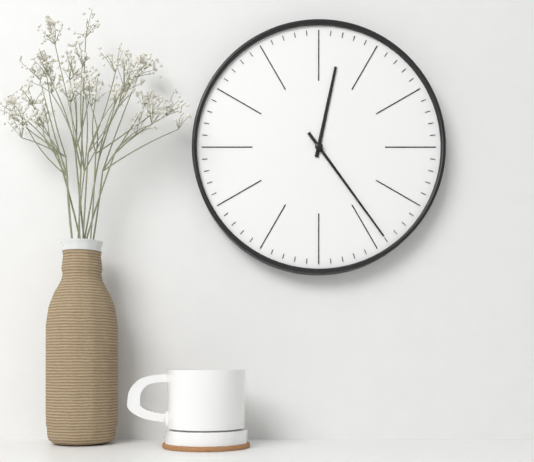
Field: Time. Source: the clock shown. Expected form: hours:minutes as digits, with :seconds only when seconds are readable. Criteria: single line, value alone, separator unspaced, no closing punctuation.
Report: 12:24
